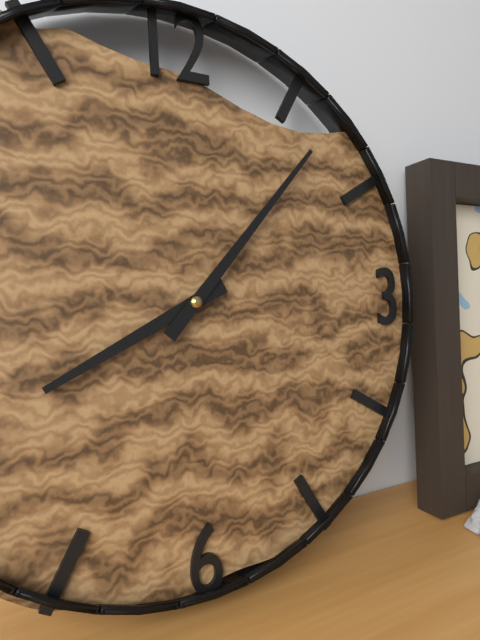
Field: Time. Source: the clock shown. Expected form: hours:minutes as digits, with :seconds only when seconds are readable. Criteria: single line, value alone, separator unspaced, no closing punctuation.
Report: 8:07
